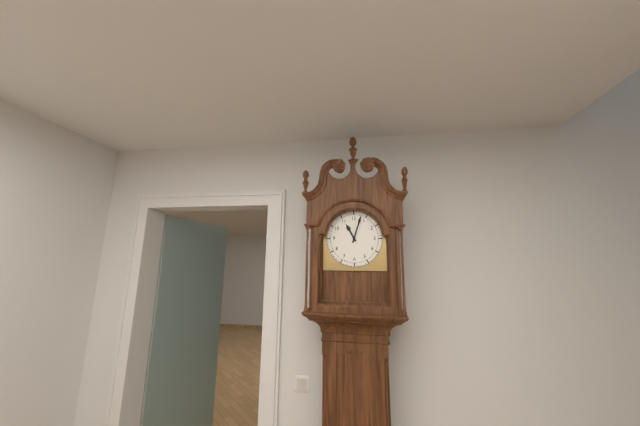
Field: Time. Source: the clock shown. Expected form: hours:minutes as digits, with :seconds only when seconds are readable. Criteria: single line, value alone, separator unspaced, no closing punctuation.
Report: 11:03
